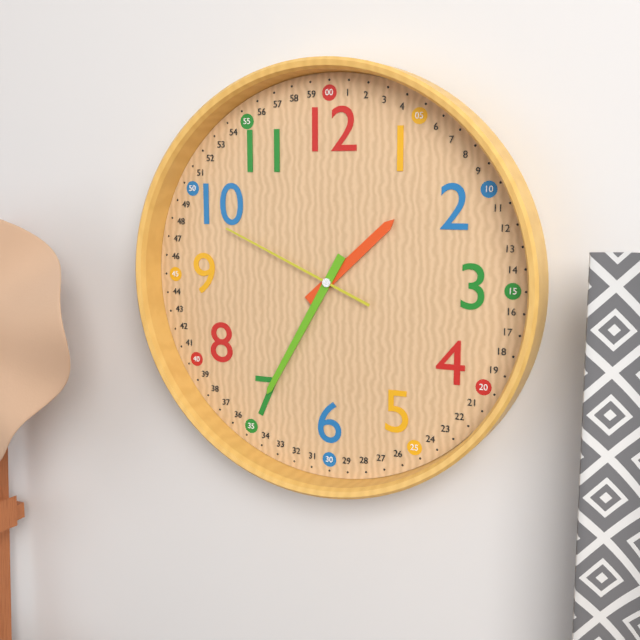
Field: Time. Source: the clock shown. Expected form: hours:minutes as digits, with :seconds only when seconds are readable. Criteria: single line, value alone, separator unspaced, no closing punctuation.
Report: 1:35:49
